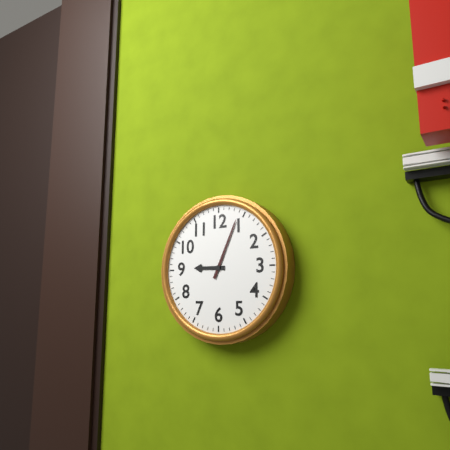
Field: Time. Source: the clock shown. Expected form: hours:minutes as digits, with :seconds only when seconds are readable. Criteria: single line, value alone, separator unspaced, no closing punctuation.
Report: 9:04
